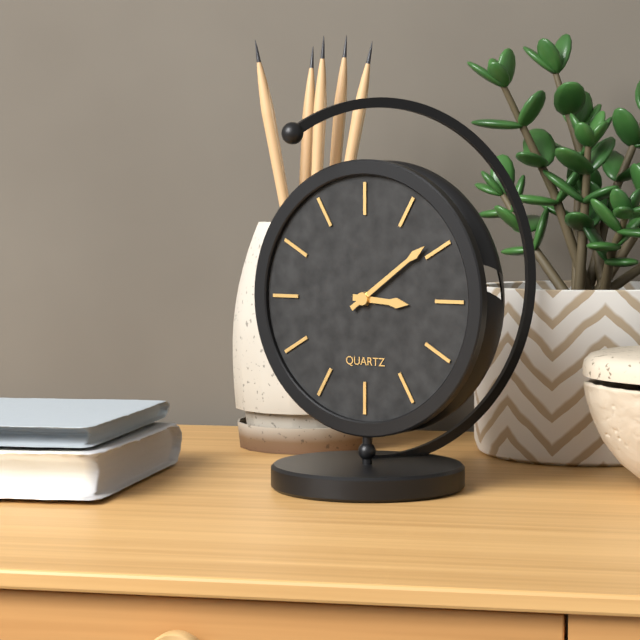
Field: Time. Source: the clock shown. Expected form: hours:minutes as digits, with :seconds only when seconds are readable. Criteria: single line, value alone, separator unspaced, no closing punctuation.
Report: 3:09
